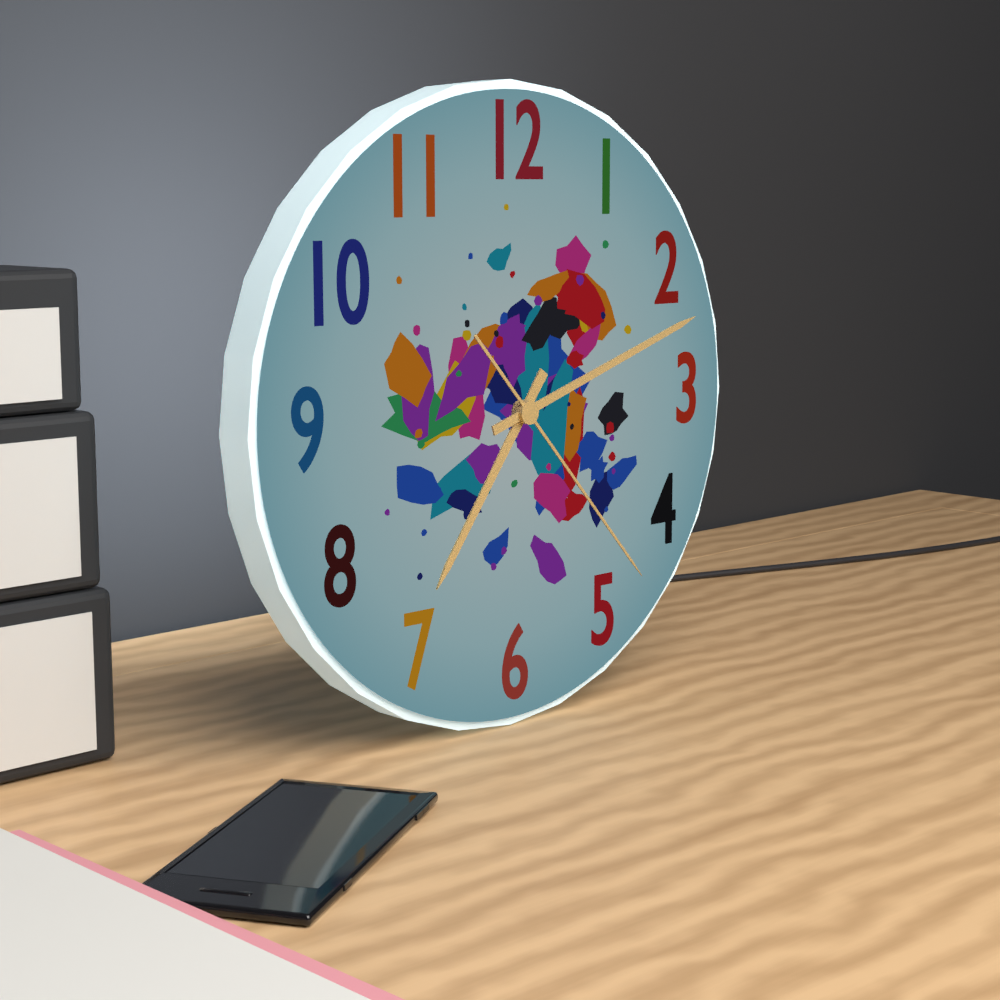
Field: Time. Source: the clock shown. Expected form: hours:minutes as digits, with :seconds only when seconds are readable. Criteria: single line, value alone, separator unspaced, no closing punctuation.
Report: 7:12:23
